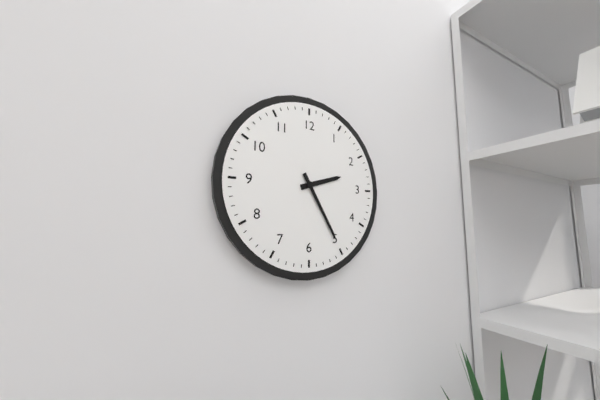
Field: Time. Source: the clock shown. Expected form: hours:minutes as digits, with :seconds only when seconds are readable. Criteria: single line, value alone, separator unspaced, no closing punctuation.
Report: 2:25
